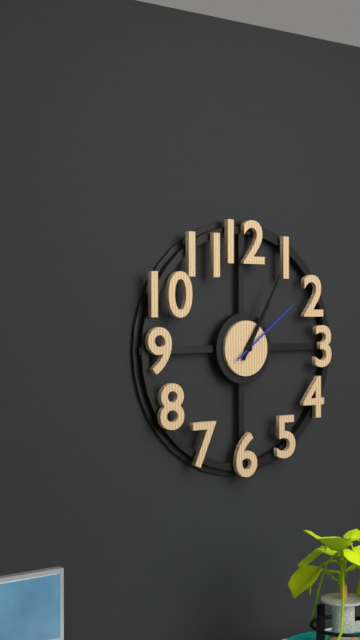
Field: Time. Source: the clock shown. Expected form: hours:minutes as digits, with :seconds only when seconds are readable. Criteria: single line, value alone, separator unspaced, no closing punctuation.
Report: 1:05:09
